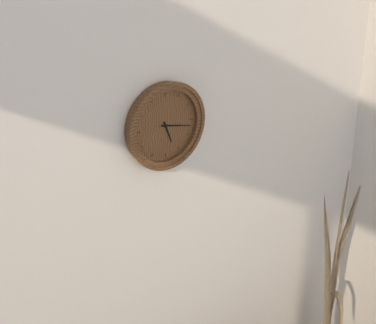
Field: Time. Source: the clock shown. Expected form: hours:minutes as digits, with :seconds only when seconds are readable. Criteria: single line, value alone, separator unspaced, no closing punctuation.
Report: 5:17
